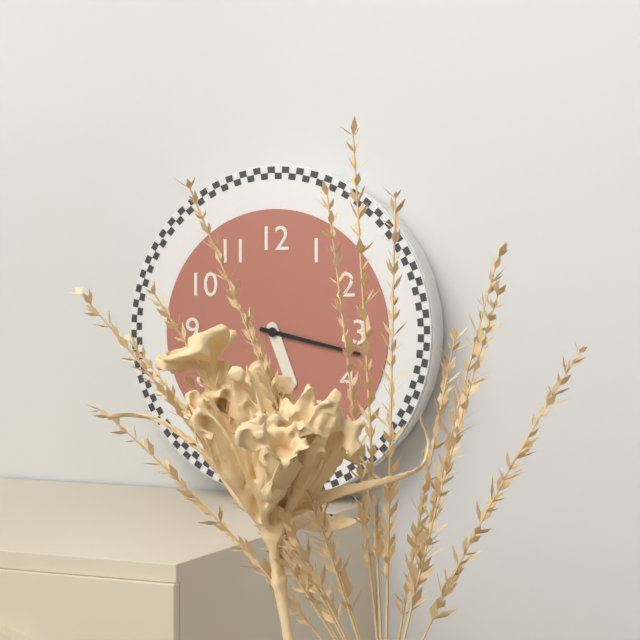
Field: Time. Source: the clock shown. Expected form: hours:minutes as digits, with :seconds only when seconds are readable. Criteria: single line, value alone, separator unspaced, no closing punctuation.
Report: 5:17
